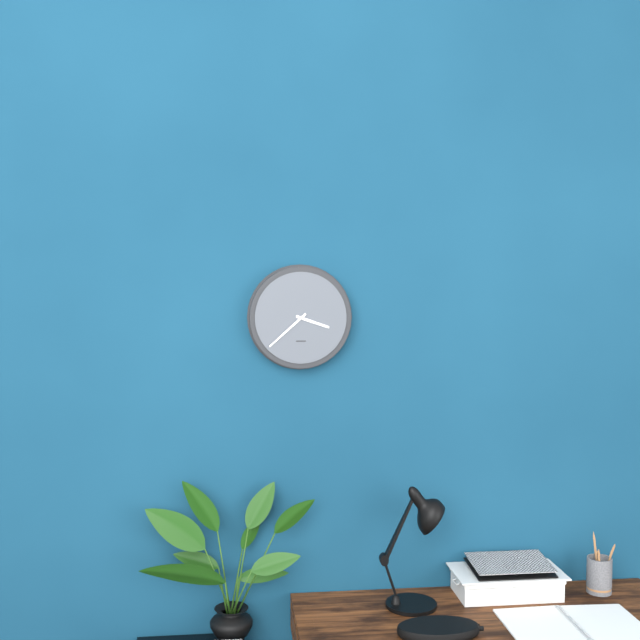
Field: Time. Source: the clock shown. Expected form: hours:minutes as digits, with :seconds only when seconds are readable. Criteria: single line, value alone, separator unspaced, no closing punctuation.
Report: 3:38
